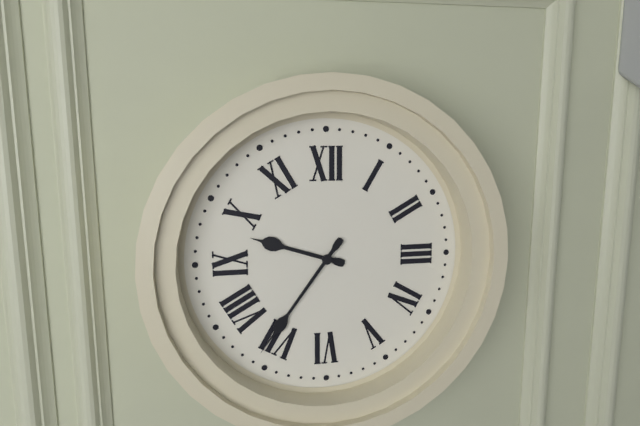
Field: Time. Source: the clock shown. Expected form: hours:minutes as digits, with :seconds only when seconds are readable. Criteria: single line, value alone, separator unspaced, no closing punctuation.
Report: 9:36
